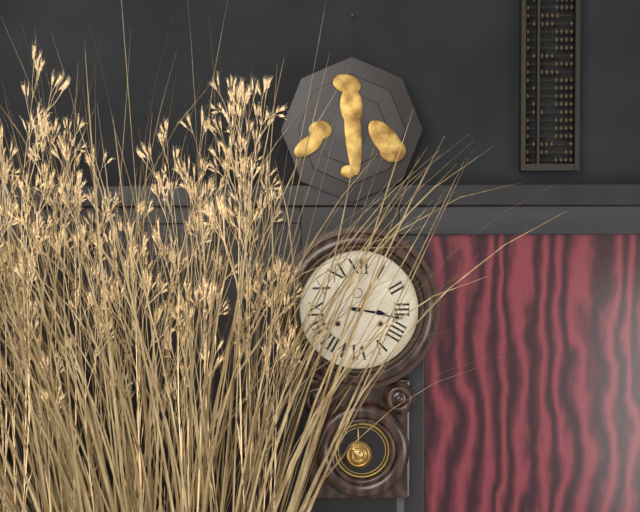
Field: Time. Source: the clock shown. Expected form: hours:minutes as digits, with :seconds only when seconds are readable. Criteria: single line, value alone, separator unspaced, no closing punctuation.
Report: 3:17
